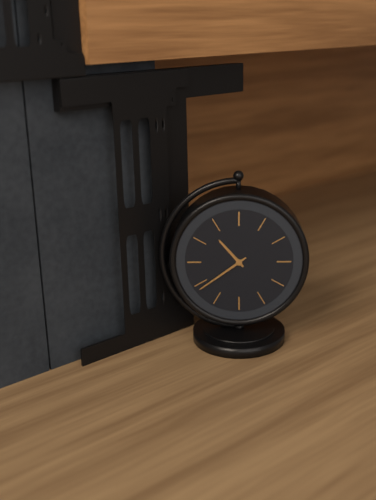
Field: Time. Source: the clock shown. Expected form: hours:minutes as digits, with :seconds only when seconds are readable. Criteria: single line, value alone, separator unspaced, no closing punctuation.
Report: 10:39
